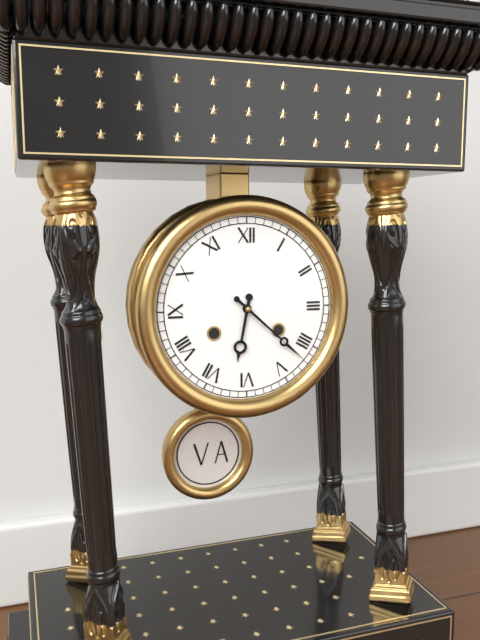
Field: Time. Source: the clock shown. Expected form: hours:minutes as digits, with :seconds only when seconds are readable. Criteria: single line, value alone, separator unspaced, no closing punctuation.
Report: 6:22
